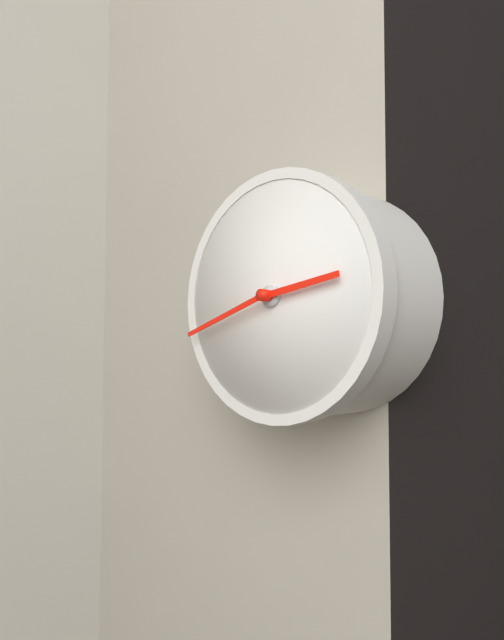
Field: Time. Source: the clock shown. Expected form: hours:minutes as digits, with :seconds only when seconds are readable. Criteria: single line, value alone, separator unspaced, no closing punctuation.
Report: 2:42
